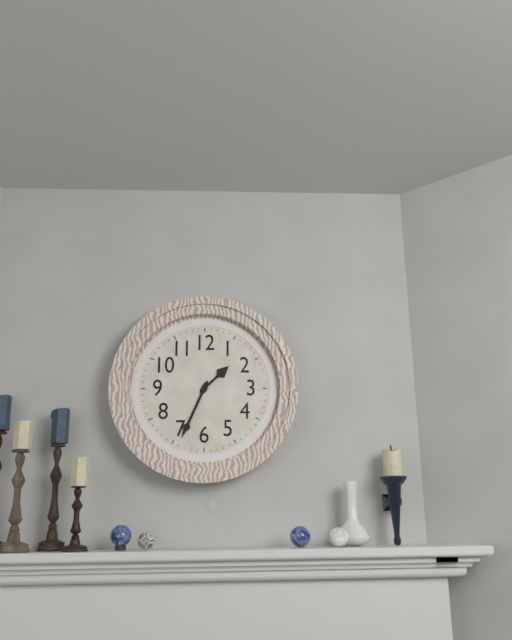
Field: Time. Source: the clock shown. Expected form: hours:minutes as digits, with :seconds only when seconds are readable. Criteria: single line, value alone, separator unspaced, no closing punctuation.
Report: 1:34
